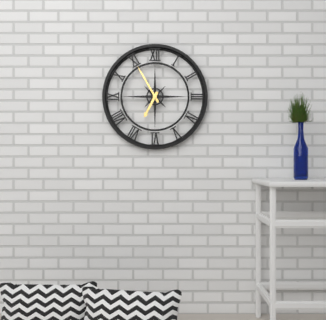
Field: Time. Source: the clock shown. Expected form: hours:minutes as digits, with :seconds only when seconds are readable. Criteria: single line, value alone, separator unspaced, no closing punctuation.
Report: 6:55
